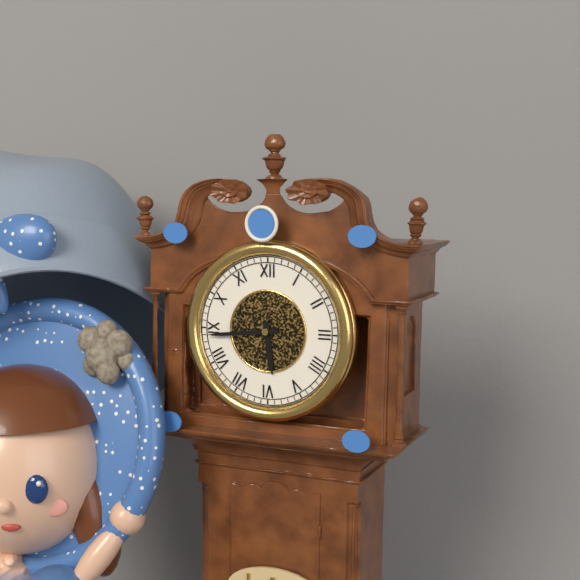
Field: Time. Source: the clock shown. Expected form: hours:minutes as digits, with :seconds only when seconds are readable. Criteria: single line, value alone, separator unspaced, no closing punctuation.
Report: 5:44
